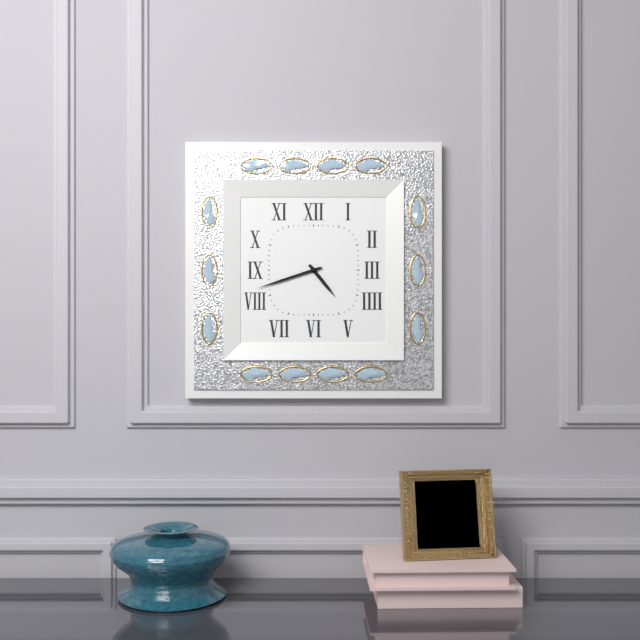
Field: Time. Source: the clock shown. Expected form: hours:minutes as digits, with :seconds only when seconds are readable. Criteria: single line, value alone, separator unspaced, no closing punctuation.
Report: 4:42
